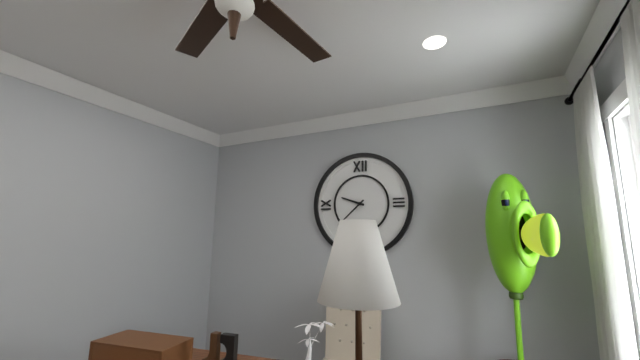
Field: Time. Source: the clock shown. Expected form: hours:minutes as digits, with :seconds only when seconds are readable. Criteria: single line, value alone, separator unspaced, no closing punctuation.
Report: 9:38
